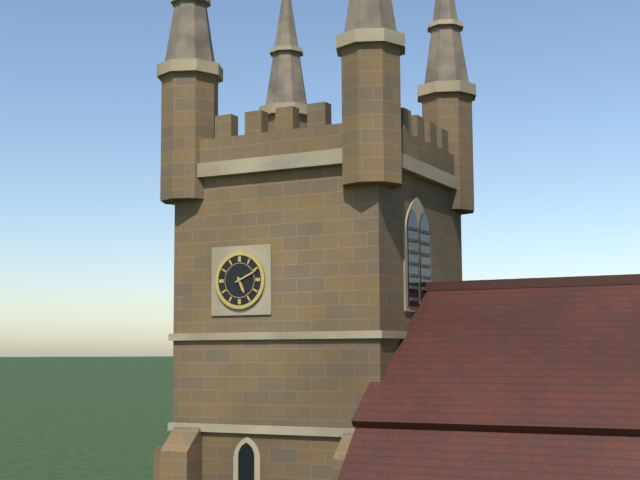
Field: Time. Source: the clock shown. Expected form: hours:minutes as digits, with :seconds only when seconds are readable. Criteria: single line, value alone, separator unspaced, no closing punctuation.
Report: 5:11
